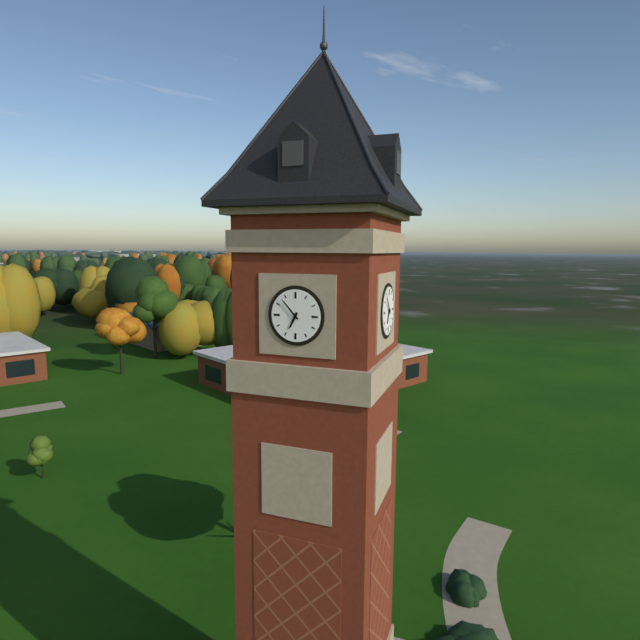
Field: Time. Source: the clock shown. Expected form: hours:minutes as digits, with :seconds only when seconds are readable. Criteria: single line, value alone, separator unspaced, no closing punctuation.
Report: 6:53
